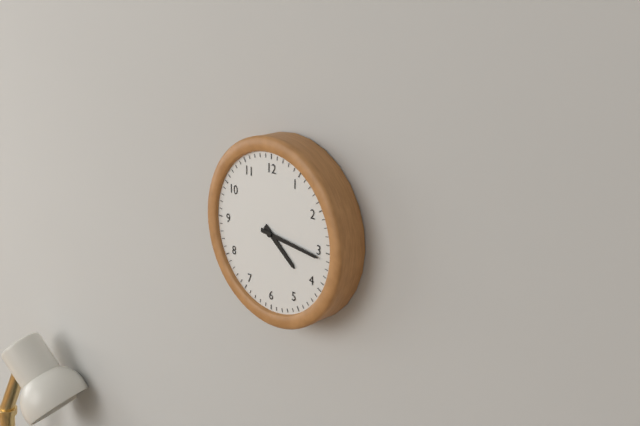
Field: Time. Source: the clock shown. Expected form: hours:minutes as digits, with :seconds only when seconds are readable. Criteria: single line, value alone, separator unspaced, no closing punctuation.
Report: 4:16
